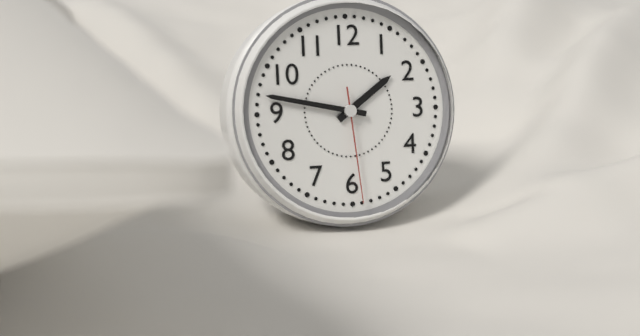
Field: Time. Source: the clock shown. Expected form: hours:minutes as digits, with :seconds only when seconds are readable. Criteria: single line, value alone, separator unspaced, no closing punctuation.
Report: 1:47:29
